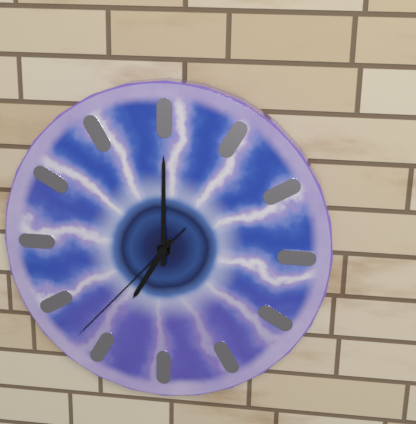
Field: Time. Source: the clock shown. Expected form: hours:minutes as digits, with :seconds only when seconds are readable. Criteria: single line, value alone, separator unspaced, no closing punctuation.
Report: 7:00:37
